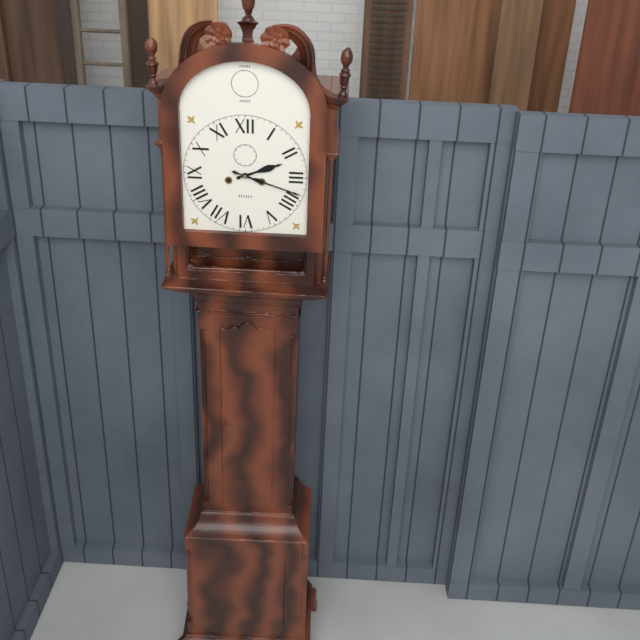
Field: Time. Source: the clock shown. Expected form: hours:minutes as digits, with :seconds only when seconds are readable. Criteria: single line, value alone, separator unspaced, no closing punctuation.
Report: 2:18
